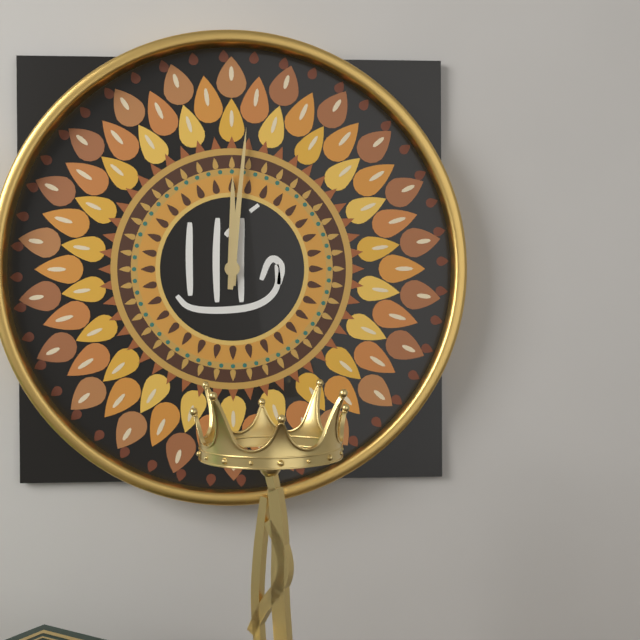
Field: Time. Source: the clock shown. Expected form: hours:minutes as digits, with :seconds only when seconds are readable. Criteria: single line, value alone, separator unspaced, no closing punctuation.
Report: 12:01
